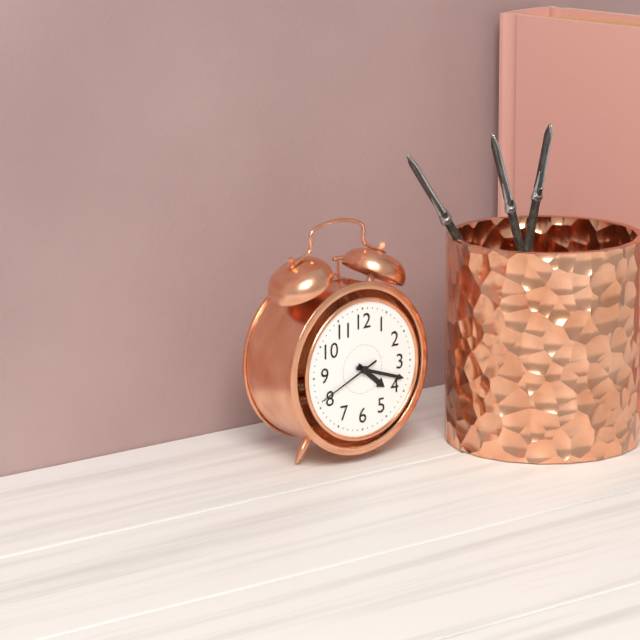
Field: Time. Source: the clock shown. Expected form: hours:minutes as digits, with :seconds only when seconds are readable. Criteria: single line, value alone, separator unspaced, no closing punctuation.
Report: 4:18:41
